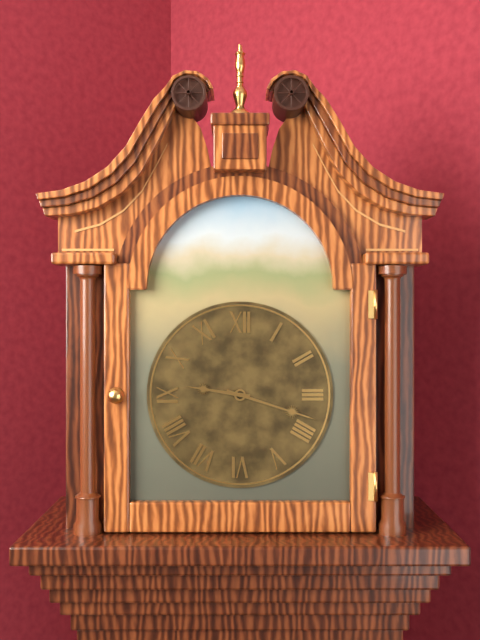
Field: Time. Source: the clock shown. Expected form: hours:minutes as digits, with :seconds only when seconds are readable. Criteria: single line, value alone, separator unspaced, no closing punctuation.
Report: 9:18
